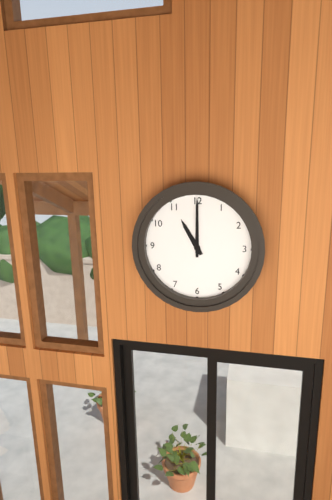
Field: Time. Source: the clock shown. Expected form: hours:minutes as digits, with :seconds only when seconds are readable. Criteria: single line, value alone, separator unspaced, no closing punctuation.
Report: 11:00
